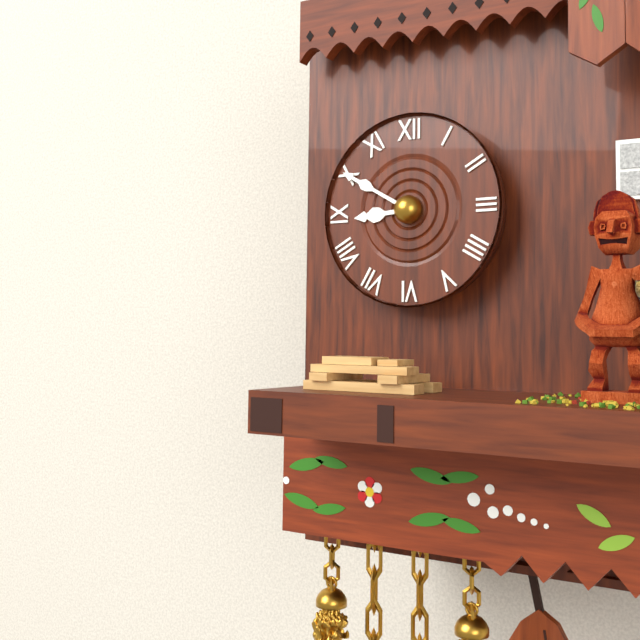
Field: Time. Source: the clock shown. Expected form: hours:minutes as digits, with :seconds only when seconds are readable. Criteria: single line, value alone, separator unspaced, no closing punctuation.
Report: 8:50
